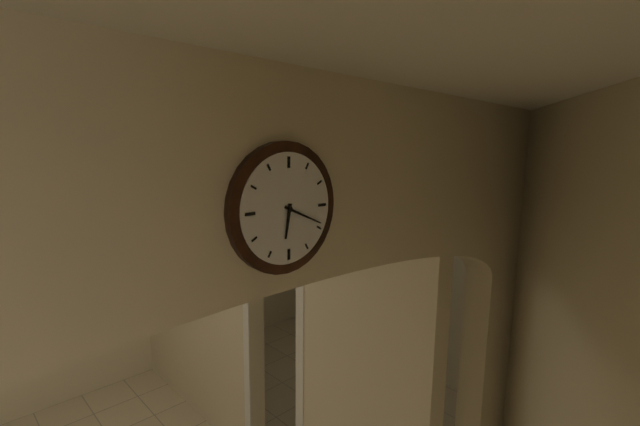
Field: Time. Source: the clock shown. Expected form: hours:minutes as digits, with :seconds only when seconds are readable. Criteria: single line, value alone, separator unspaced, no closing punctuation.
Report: 6:19
